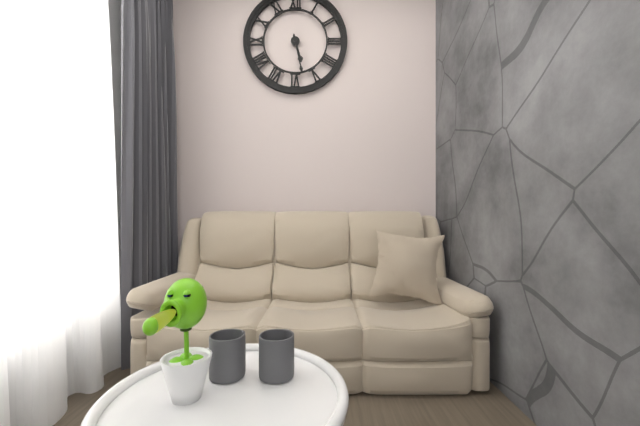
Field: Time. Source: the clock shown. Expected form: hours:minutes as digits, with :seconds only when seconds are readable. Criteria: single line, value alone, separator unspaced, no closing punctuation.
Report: 5:28
